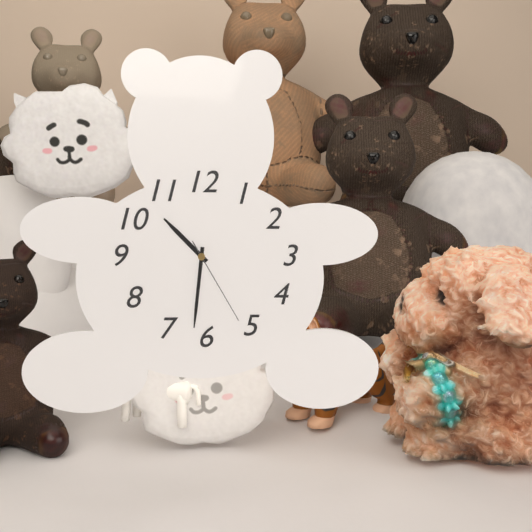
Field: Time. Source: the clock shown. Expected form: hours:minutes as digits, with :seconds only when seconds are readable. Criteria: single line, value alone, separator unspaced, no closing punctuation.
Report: 10:31:25
